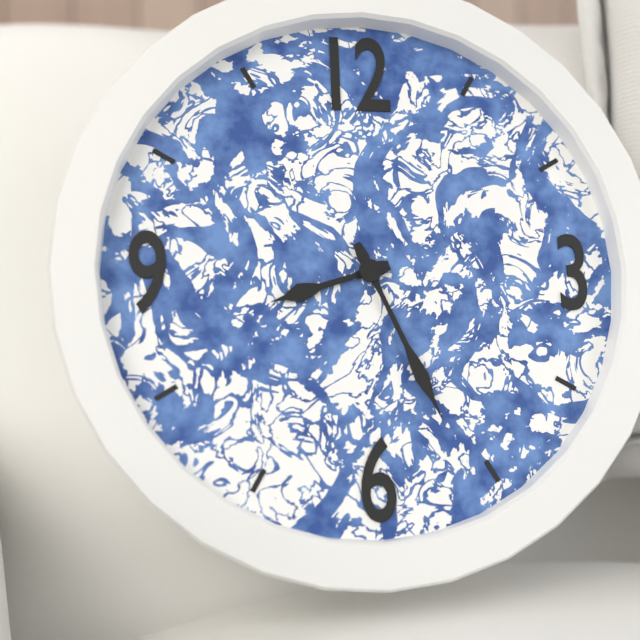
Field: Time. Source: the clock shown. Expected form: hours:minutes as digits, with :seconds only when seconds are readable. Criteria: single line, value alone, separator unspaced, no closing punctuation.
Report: 8:26
